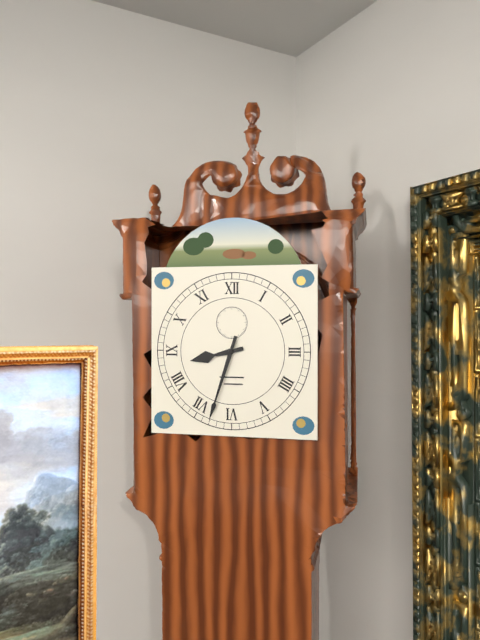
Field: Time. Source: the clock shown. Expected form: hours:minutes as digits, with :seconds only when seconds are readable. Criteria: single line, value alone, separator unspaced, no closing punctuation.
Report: 8:33
